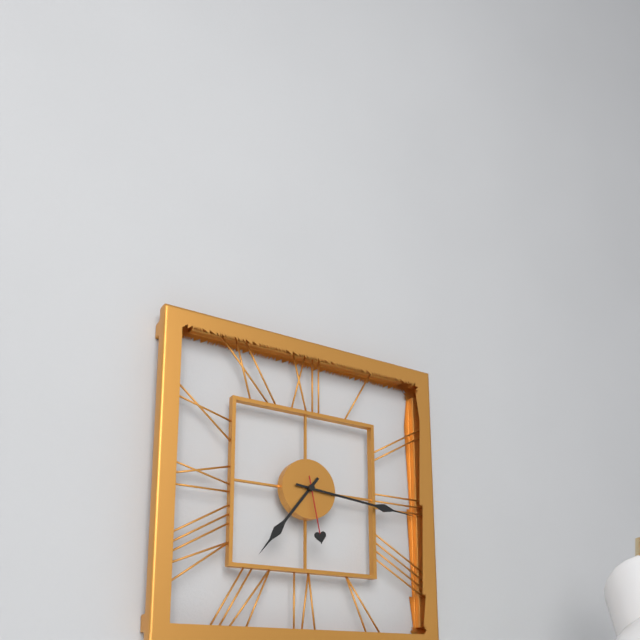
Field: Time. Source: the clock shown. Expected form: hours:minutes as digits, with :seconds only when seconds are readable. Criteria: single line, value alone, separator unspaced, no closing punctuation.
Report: 7:16:28
